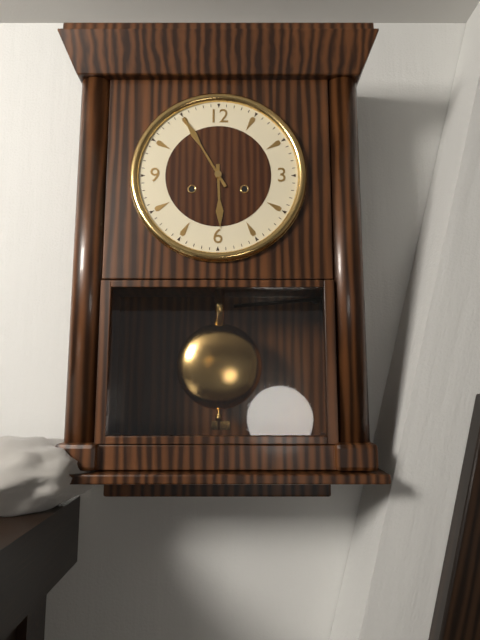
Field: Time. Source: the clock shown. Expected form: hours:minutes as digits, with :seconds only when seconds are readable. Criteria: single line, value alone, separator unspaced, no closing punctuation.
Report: 5:55
